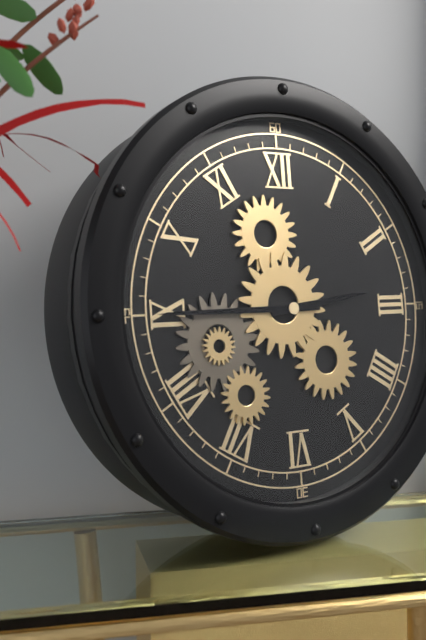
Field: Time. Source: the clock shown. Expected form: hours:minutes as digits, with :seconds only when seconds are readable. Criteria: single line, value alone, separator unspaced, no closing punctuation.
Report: 2:45
